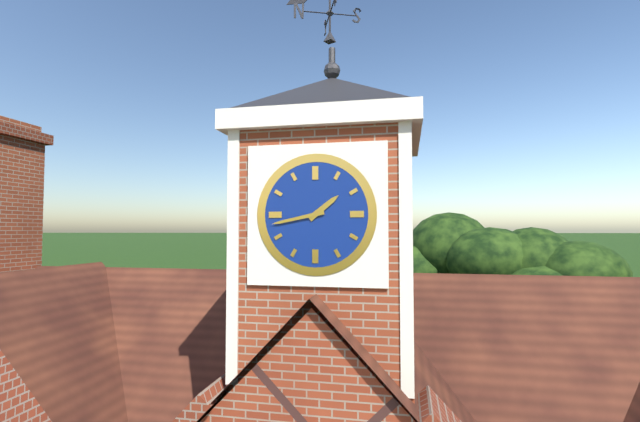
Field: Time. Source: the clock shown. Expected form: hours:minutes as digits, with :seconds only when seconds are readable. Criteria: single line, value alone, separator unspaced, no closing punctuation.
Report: 1:43
